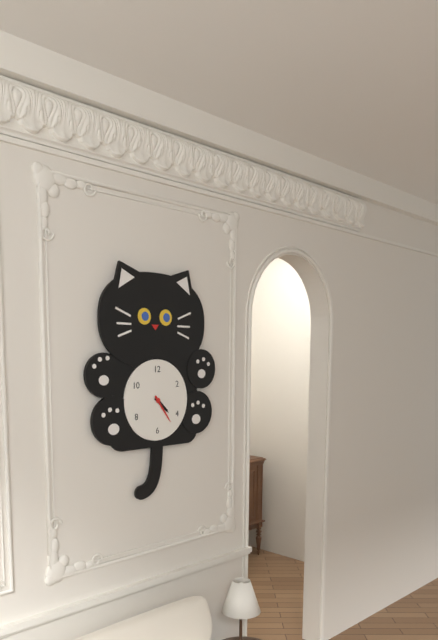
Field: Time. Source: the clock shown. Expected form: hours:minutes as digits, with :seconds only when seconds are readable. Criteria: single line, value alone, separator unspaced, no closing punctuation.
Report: 4:24
